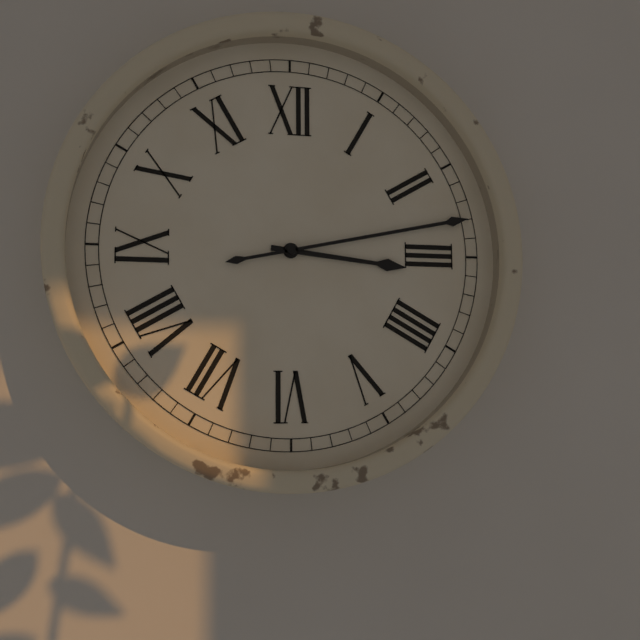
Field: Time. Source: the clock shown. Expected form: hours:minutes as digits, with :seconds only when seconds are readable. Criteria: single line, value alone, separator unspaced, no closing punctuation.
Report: 3:13
